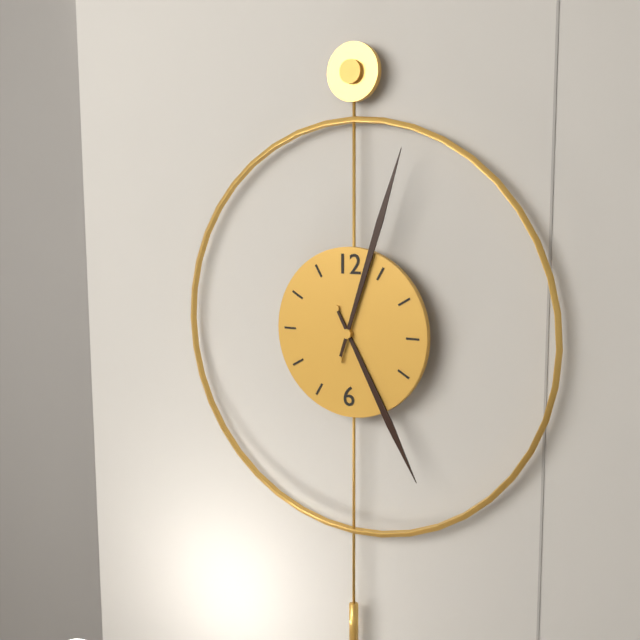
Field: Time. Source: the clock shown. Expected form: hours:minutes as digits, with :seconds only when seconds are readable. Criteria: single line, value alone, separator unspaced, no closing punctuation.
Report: 5:03
